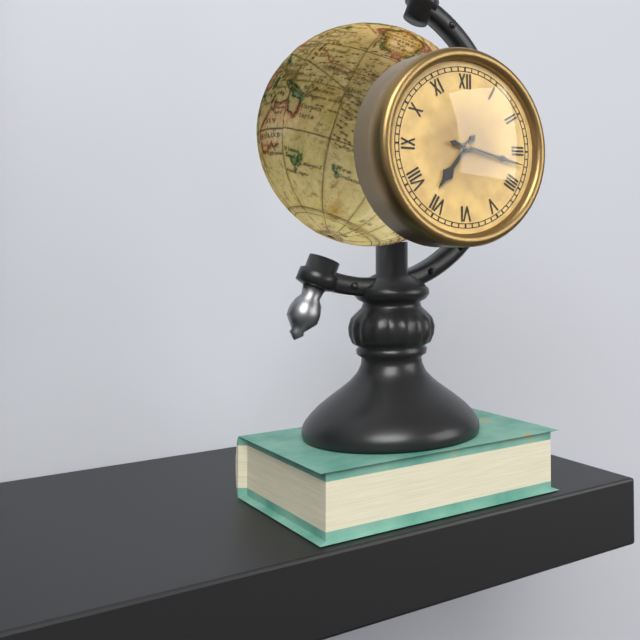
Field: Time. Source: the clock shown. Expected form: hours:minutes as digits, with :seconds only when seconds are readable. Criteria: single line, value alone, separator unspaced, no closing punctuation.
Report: 7:17
